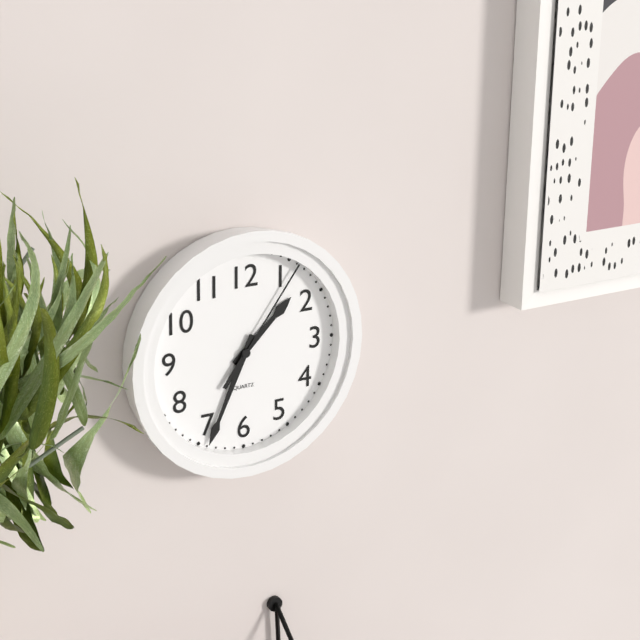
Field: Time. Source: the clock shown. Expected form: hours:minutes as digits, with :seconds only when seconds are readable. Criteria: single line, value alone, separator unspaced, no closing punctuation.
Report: 1:34:06
